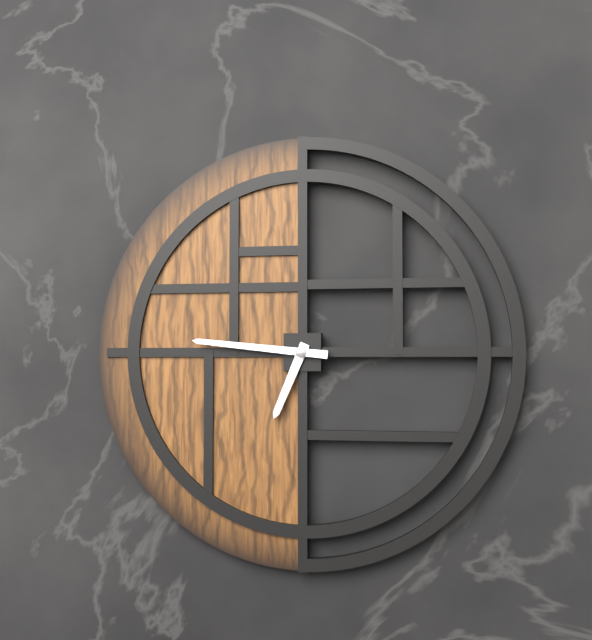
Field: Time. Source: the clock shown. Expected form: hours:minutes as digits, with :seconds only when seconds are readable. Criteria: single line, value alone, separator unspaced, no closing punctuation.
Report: 6:46
